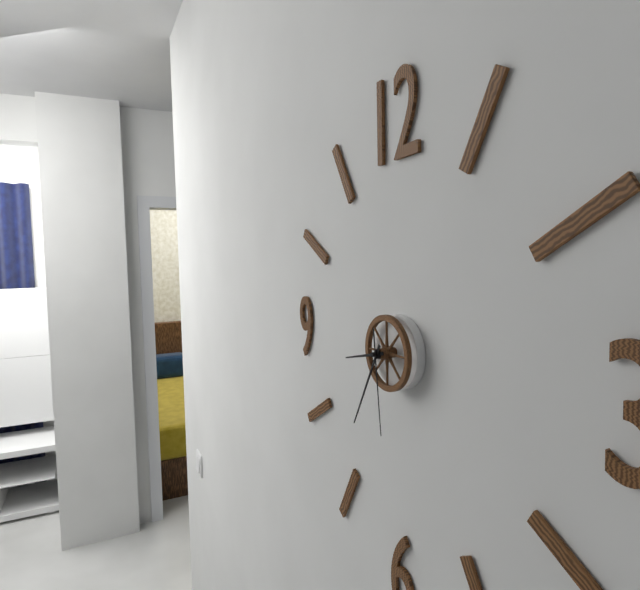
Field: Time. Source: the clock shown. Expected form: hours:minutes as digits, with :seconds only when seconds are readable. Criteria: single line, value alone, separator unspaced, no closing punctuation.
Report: 8:35:29
